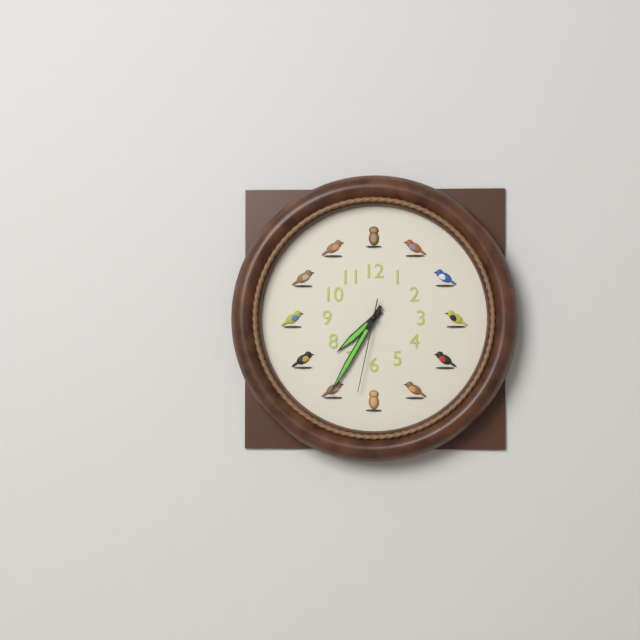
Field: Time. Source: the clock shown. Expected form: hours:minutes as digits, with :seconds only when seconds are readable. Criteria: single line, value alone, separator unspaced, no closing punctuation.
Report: 7:35:32
